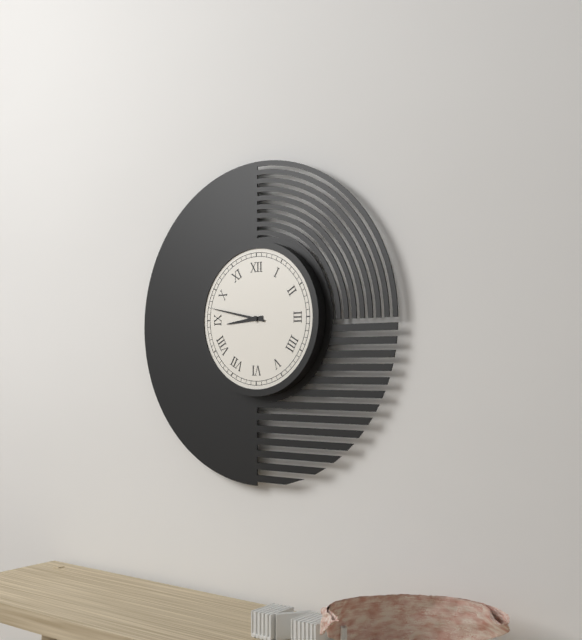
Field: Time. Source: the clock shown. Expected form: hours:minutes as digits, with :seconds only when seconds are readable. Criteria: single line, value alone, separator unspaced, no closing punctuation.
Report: 8:47
